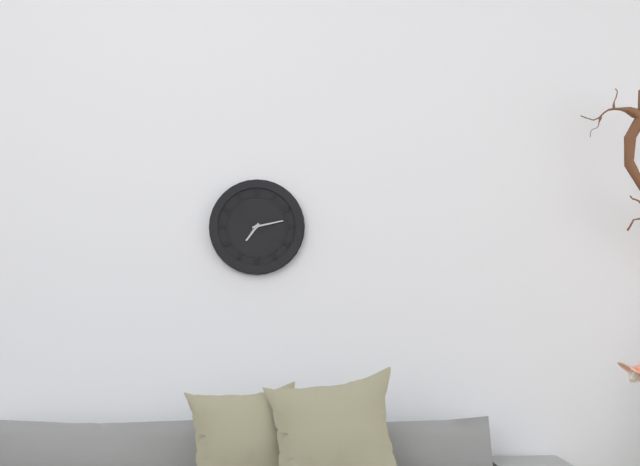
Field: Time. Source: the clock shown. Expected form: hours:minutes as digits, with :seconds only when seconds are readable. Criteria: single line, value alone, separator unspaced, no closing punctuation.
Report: 7:13
